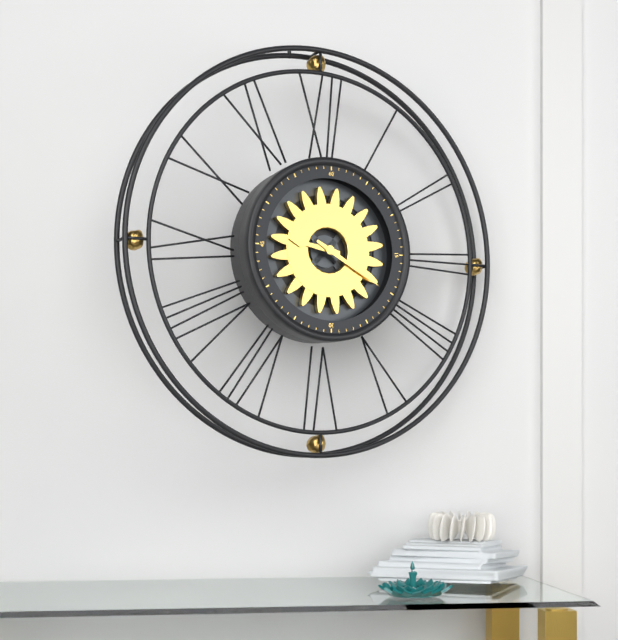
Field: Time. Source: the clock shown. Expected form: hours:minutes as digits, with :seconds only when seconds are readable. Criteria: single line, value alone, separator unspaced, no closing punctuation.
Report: 9:20
